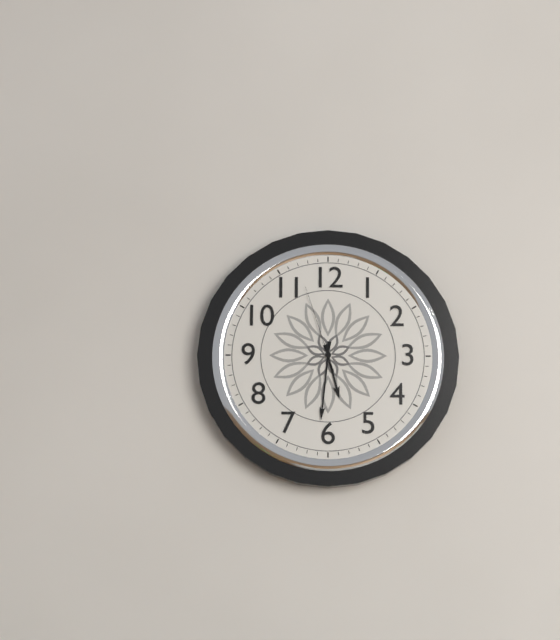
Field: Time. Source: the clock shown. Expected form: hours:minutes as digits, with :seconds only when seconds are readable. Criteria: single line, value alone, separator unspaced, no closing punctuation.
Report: 5:31:57
